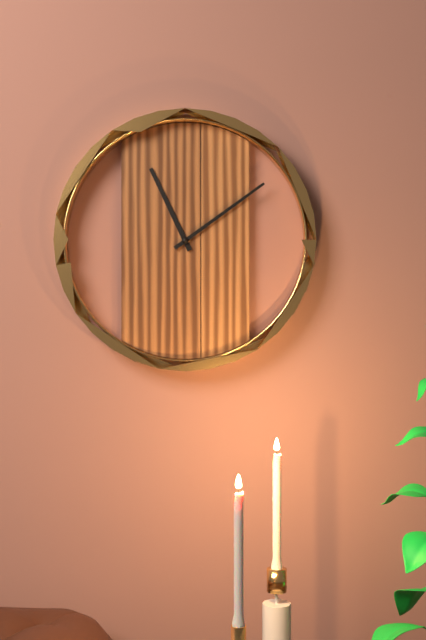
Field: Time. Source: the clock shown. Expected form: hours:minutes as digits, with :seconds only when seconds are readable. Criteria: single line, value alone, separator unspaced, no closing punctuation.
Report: 11:09
